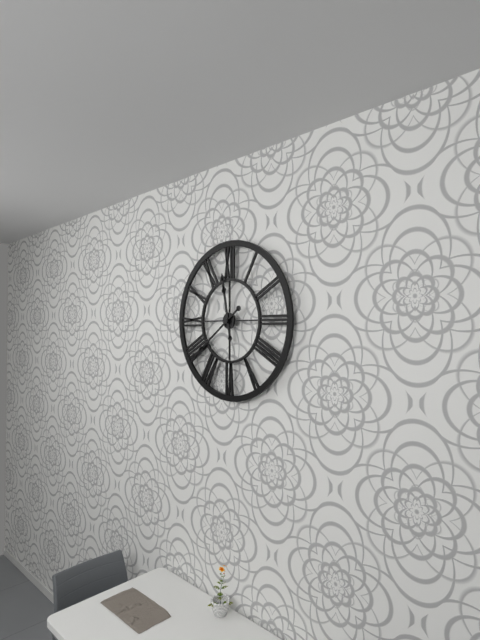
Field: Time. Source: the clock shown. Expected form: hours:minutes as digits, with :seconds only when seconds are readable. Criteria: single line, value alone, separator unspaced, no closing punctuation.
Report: 11:39
